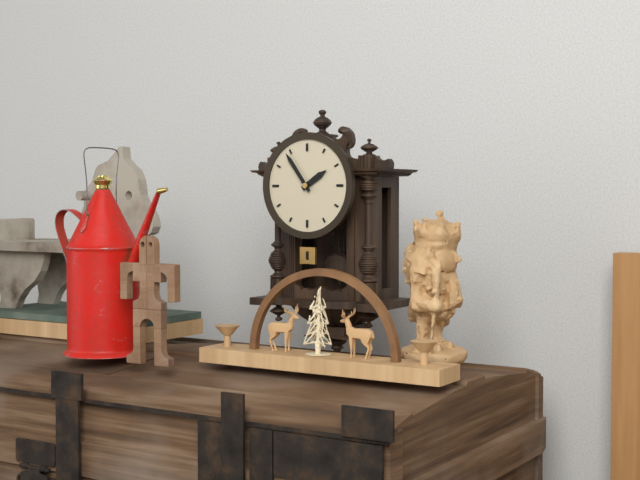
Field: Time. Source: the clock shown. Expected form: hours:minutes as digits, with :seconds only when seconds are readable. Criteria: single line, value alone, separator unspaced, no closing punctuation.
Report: 1:54
